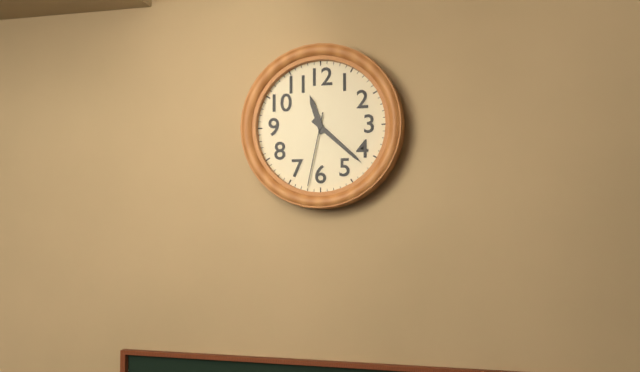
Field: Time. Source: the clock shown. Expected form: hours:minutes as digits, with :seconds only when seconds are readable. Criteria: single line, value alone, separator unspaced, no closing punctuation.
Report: 11:22:32
